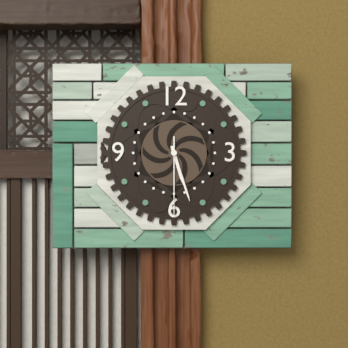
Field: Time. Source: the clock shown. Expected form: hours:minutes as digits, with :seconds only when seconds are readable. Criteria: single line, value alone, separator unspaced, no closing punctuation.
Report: 5:27:30
